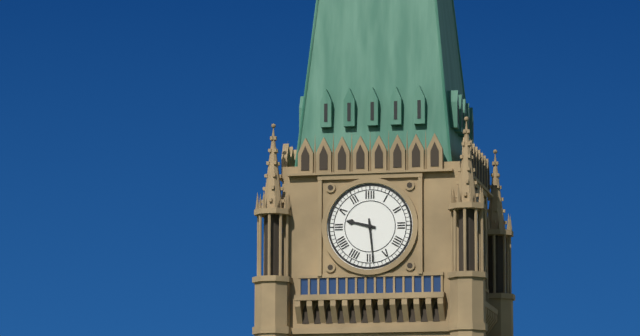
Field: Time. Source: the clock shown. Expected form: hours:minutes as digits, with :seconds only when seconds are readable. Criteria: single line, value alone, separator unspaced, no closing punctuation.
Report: 9:29
